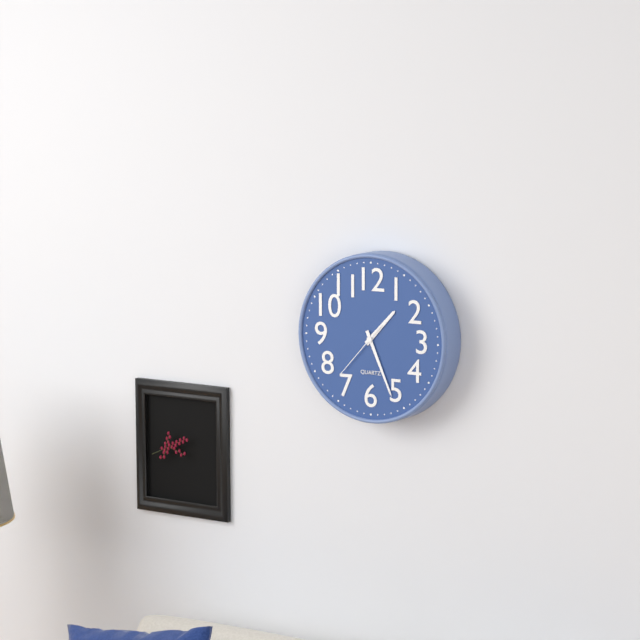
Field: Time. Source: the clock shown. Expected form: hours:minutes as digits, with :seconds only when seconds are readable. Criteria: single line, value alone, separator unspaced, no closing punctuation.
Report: 1:26:37
